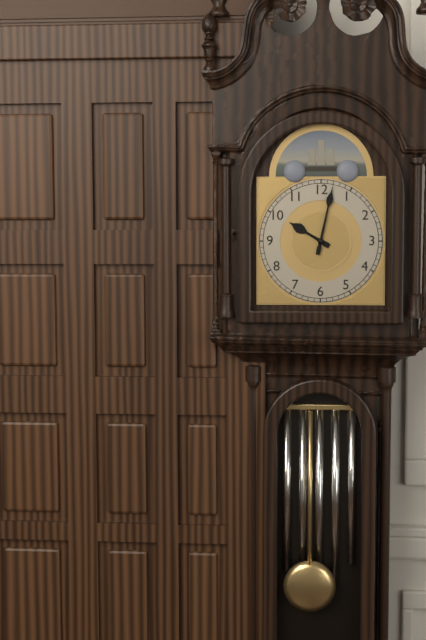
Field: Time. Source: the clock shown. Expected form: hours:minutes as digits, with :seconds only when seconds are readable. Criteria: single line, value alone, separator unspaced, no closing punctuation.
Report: 10:02
